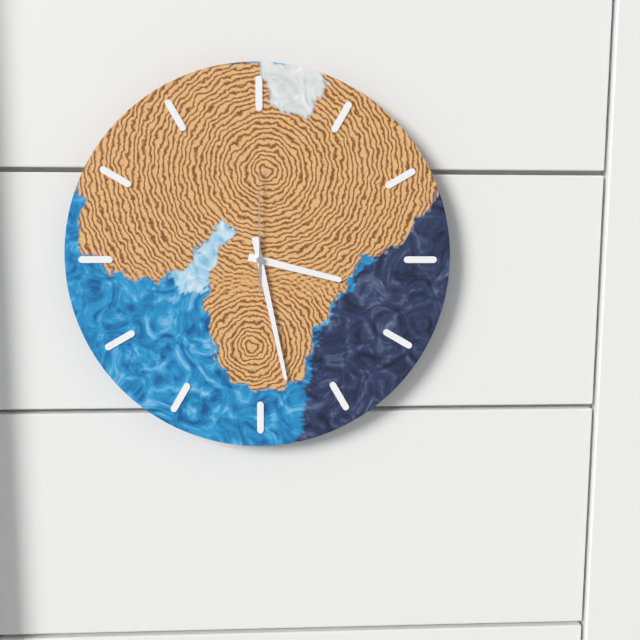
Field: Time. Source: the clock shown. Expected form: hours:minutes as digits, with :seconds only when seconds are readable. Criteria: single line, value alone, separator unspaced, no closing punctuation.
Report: 3:28:00
